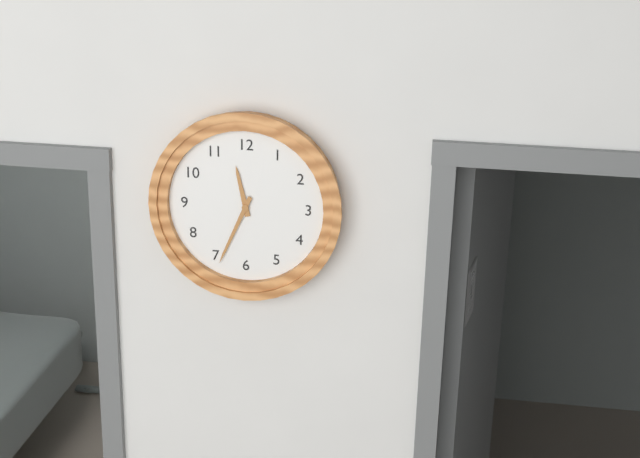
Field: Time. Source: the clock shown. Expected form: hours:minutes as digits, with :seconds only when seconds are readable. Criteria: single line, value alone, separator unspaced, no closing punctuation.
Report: 11:34
